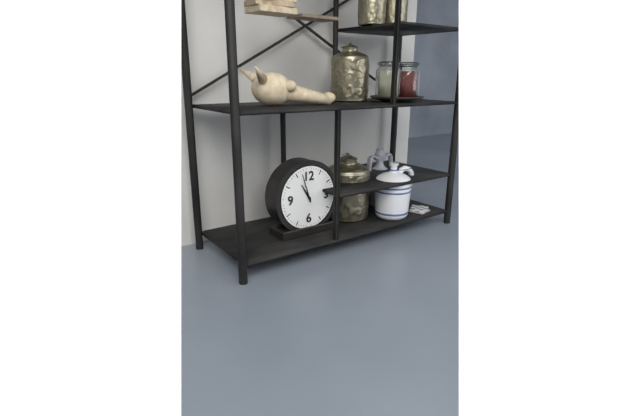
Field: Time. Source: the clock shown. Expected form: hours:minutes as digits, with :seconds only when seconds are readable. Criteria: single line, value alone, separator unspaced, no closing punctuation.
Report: 10:57
